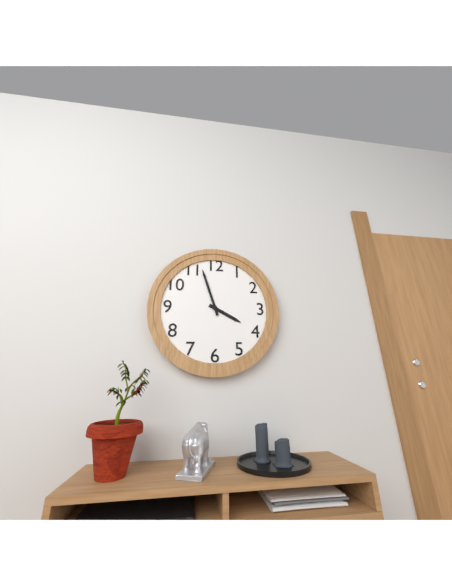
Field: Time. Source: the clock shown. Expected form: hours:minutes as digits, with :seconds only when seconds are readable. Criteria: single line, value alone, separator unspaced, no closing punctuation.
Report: 3:57
